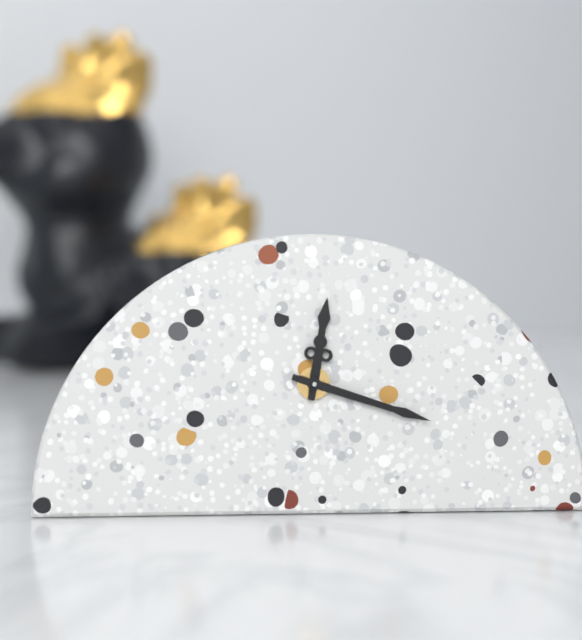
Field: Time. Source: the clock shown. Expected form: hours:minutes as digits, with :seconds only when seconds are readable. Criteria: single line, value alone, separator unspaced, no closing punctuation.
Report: 12:18
